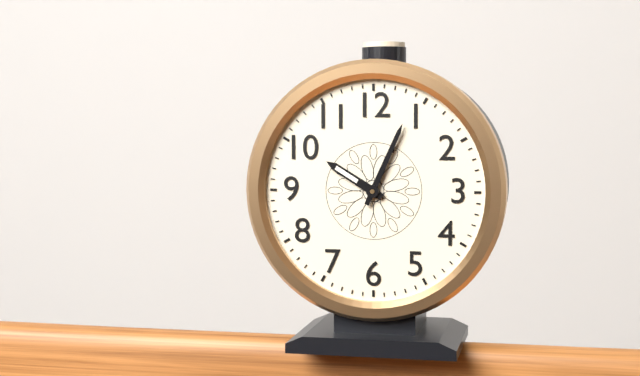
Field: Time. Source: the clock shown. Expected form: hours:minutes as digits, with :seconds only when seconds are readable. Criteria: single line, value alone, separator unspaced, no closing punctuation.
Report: 10:04
